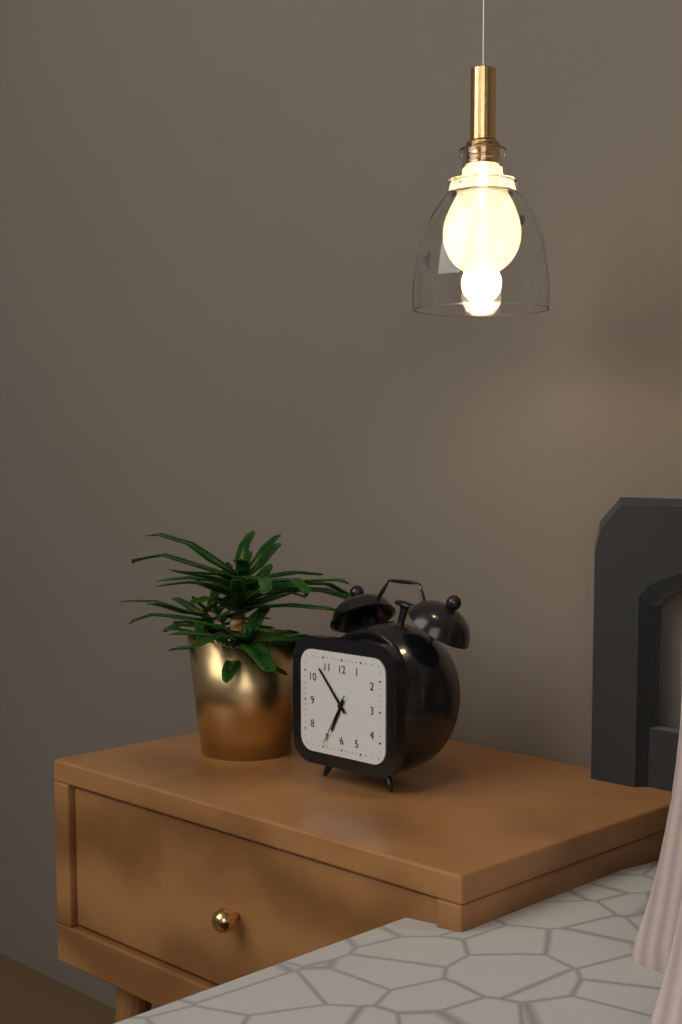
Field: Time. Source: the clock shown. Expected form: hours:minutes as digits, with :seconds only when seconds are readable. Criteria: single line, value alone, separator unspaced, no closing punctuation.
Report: 6:53:35
